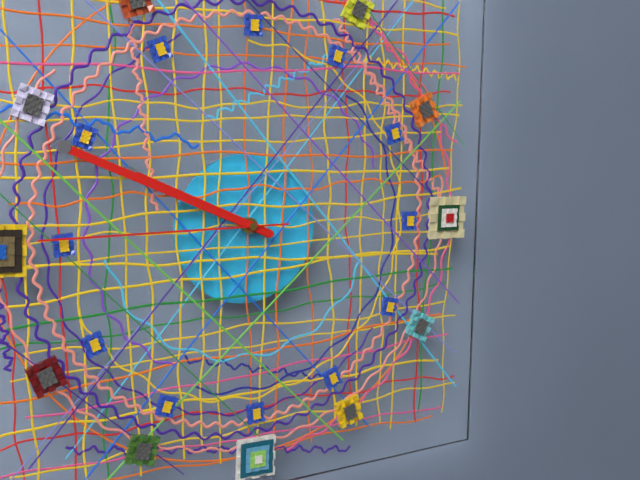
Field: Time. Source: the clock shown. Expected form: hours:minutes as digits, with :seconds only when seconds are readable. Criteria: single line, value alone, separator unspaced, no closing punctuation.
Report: 9:49:45
